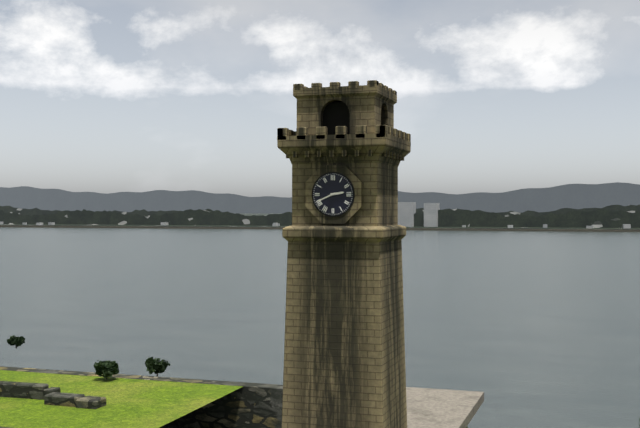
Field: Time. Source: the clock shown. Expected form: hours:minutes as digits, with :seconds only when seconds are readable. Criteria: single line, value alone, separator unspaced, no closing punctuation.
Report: 2:41
